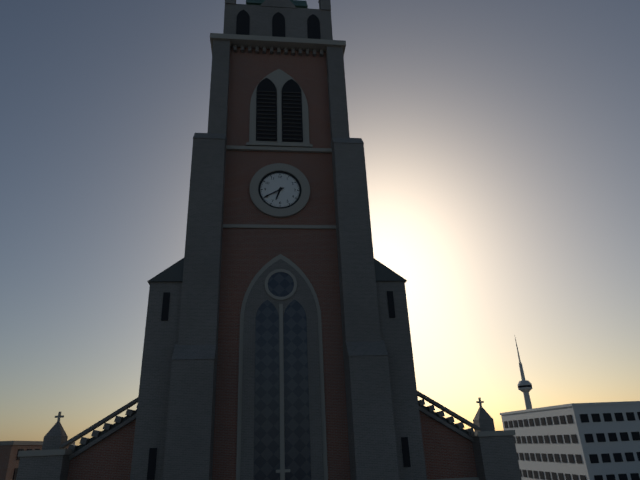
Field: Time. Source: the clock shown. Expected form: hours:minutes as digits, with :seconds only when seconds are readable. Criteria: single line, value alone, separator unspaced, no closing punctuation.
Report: 6:40
